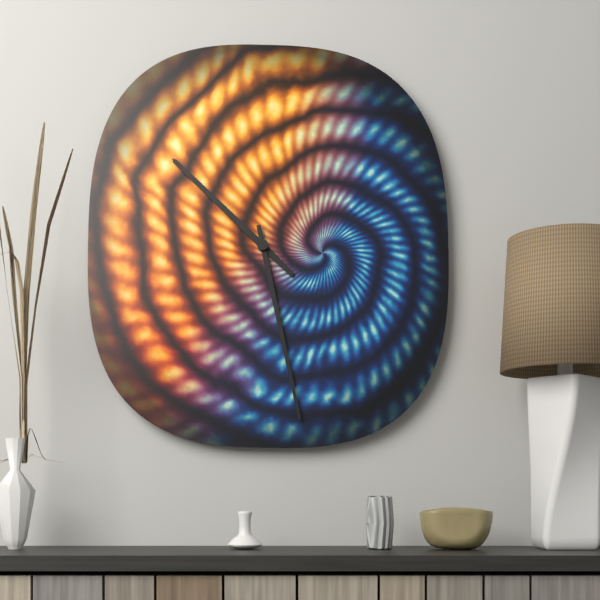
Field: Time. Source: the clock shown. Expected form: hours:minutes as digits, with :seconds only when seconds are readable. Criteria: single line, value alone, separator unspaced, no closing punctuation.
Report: 10:28
